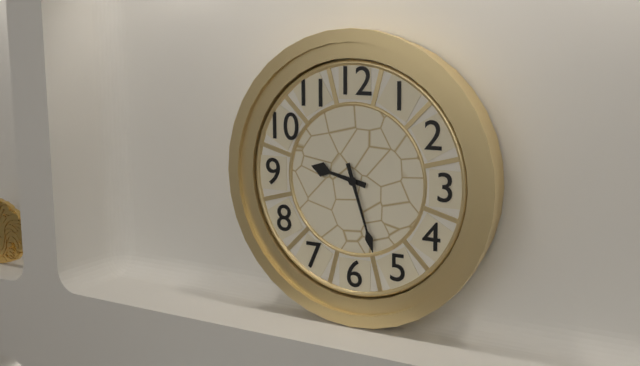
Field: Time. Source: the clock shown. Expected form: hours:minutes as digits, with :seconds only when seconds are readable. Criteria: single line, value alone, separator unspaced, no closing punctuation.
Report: 9:27
